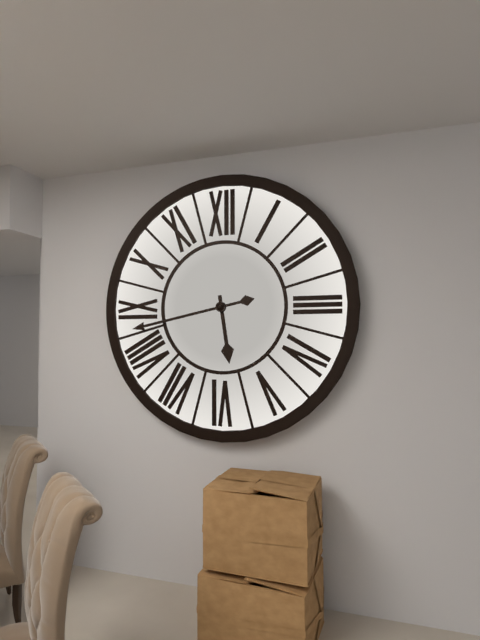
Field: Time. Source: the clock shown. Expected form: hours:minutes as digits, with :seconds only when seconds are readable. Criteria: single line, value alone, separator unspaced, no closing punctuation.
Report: 5:43
